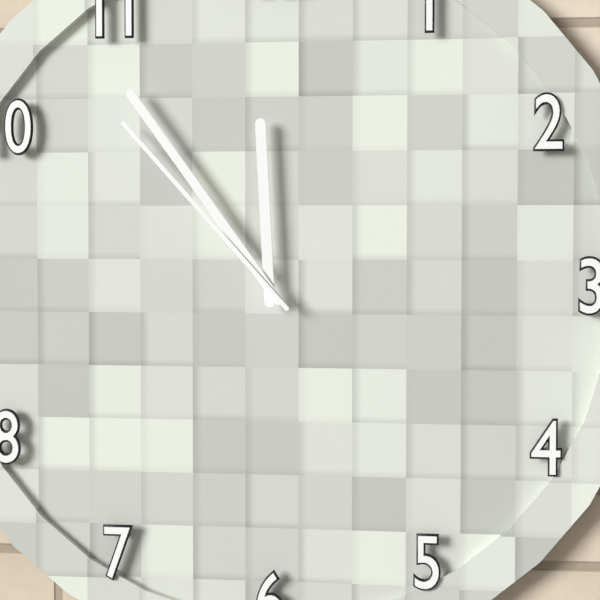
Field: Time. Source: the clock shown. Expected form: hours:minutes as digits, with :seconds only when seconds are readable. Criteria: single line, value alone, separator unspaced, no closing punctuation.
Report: 11:54:53
